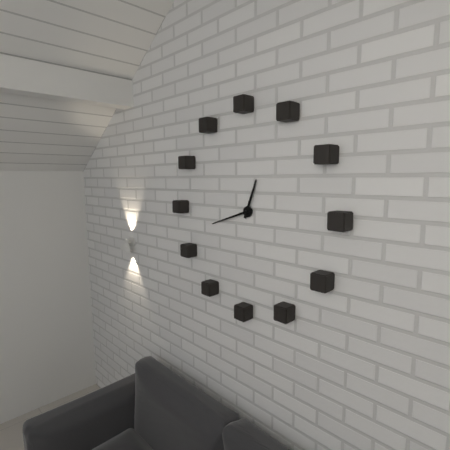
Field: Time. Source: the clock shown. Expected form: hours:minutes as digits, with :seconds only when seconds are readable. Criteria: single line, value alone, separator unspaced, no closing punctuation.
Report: 12:42
